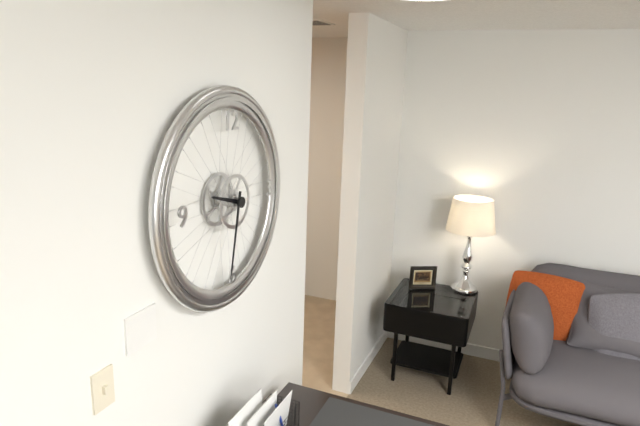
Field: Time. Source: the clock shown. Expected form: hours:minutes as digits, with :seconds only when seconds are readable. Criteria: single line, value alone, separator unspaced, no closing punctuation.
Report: 9:32
